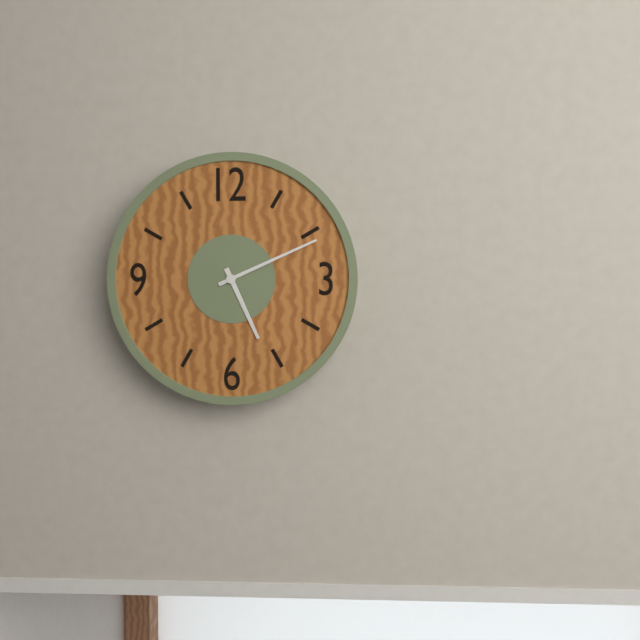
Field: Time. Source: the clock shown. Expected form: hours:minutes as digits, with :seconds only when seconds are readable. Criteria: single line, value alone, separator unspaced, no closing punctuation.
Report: 5:11
